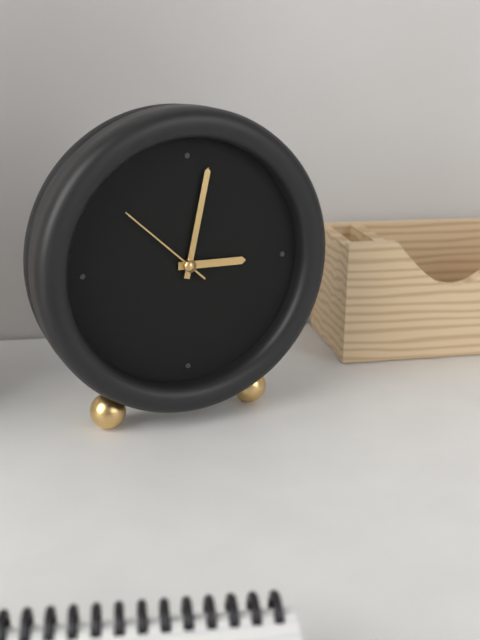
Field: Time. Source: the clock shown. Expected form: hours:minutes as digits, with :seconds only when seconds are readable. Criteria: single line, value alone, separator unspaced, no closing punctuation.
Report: 3:02:52
